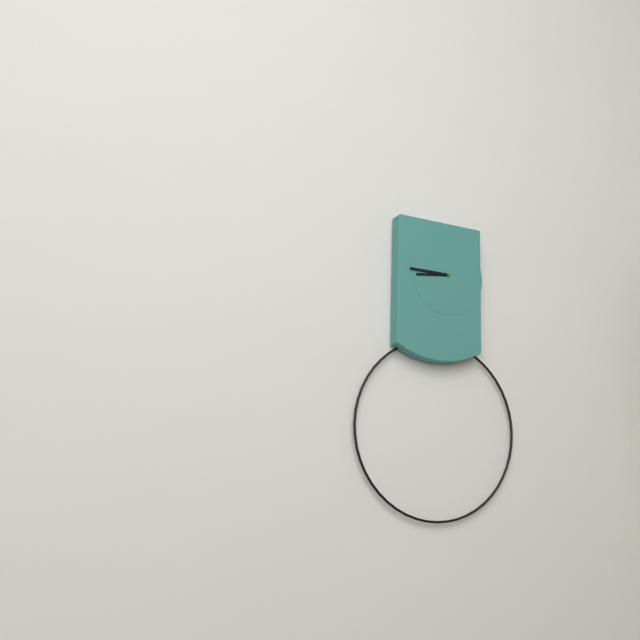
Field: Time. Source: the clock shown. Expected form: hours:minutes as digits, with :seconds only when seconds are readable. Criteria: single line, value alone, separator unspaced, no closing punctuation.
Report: 8:45
